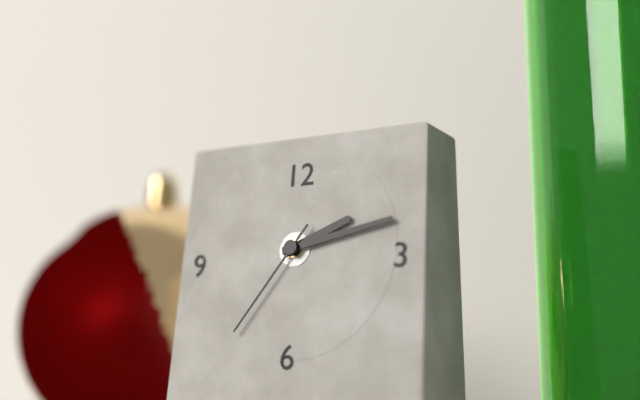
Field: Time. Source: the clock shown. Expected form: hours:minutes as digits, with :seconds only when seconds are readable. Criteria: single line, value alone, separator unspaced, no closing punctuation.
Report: 2:13:36
